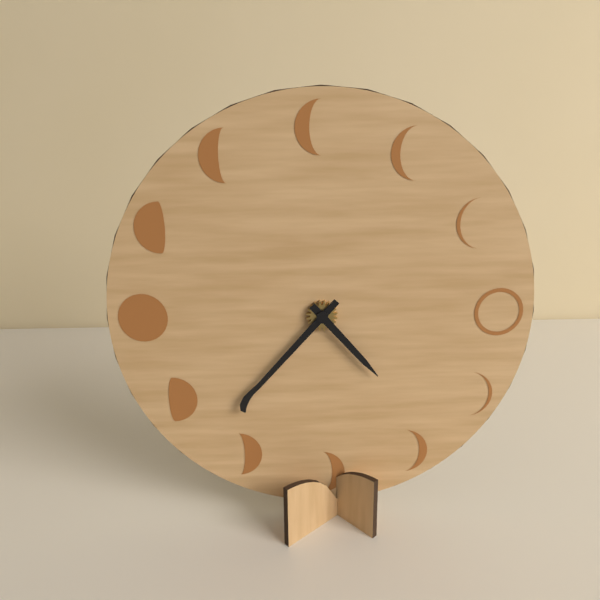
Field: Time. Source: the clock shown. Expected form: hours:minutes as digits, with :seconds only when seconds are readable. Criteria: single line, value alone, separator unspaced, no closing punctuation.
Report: 4:37
